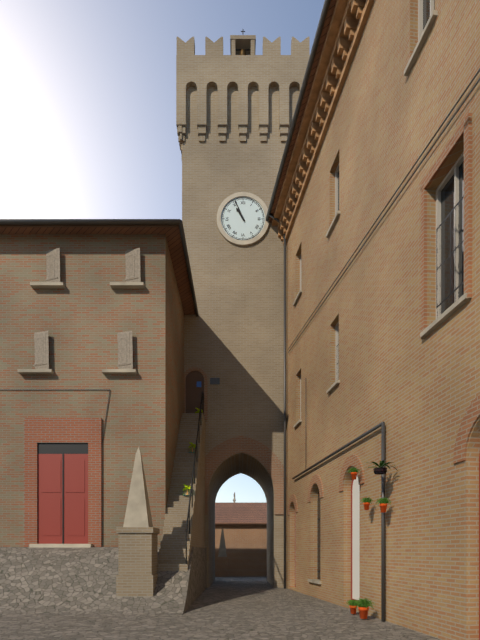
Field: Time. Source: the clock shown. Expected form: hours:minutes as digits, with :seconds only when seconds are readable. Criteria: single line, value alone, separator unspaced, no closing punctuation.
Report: 10:56
